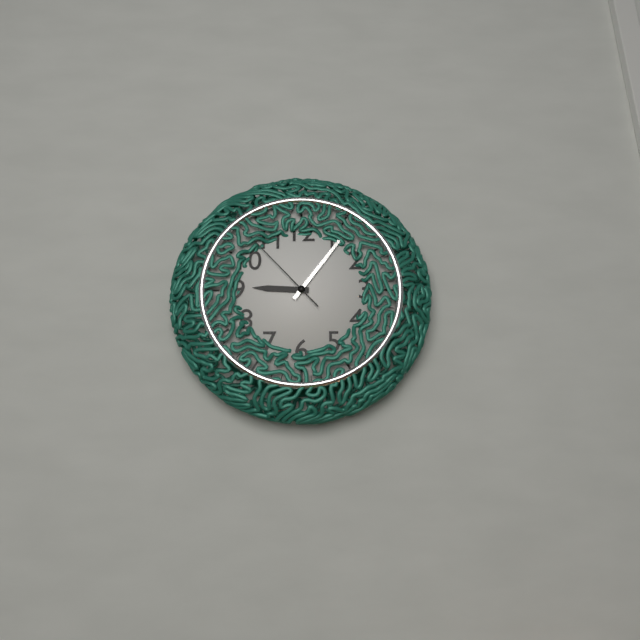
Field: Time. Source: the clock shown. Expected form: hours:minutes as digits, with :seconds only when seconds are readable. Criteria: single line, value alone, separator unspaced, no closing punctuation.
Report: 9:06:53
